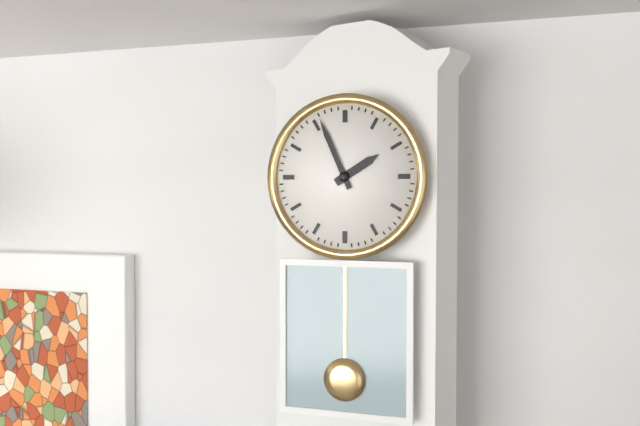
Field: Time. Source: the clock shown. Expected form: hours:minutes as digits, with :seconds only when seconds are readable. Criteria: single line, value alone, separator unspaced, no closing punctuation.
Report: 1:56
